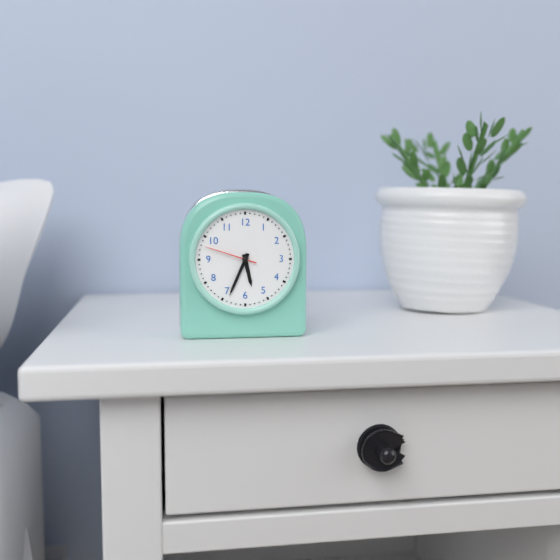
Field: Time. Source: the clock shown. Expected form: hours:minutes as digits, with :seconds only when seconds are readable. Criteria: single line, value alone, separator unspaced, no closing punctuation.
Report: 5:34:48
